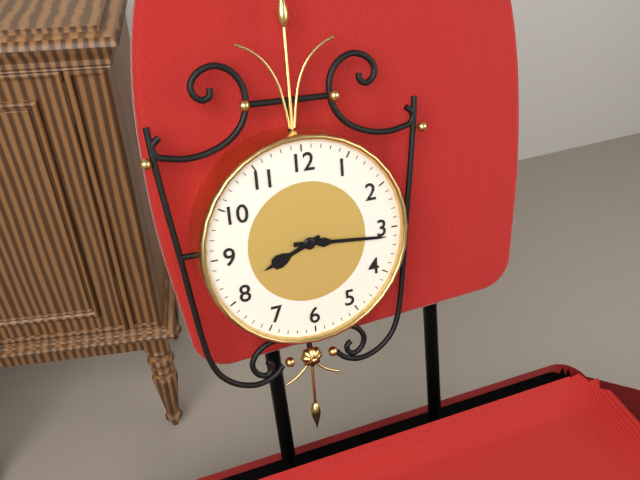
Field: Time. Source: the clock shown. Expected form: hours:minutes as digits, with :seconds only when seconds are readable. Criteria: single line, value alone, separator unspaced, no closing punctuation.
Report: 8:16
